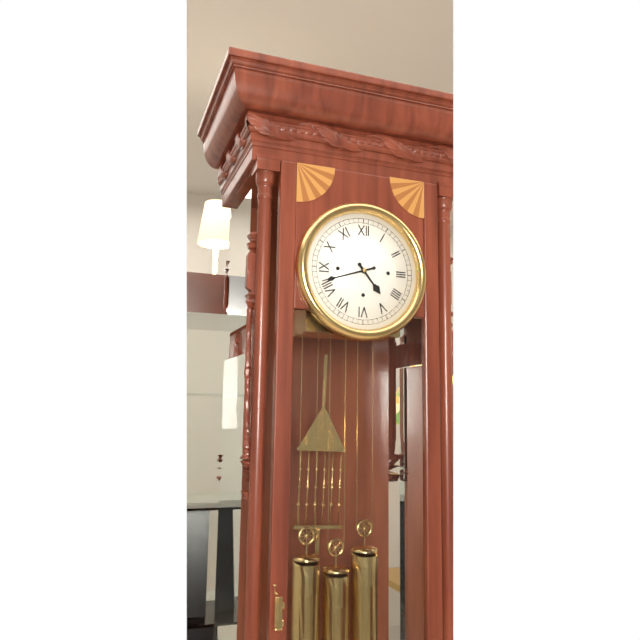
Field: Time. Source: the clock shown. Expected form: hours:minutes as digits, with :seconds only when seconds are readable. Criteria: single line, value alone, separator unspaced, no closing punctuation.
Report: 4:42
